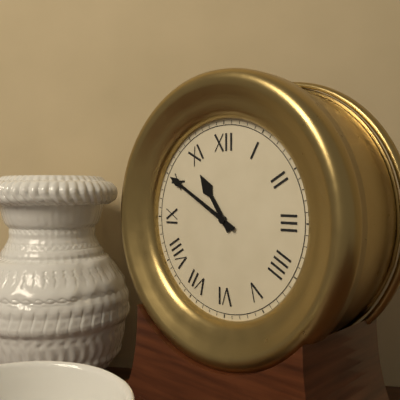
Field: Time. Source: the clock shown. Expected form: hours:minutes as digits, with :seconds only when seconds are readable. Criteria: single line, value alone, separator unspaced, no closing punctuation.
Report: 10:50
